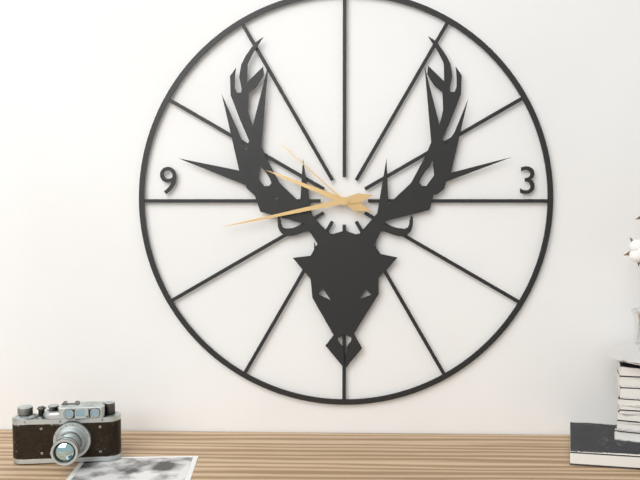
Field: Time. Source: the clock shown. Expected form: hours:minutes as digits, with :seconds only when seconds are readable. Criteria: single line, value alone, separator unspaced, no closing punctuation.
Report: 9:43:52
